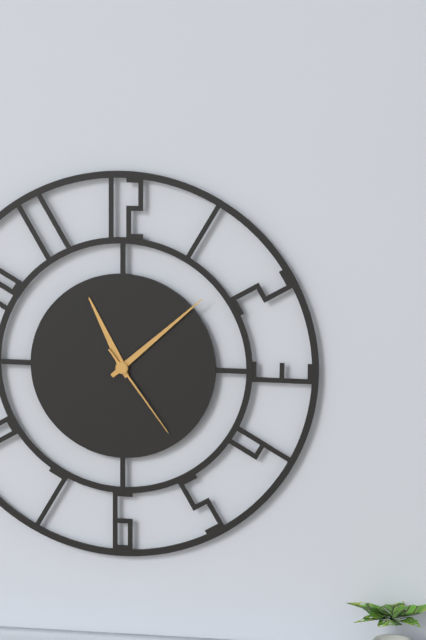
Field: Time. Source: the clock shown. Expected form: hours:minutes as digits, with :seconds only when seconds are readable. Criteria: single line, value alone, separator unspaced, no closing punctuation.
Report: 11:08:24
